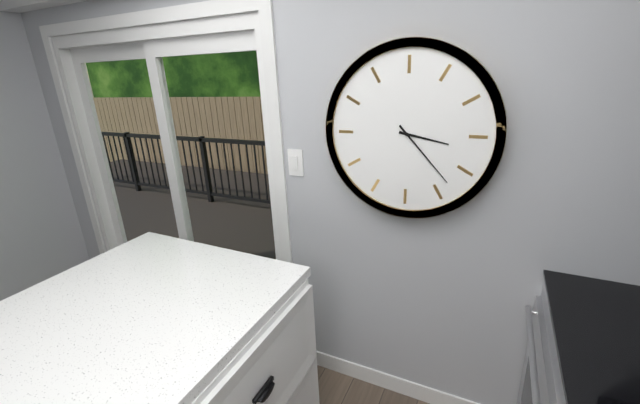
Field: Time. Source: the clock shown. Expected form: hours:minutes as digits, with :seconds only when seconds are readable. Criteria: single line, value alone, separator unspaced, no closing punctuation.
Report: 3:23
